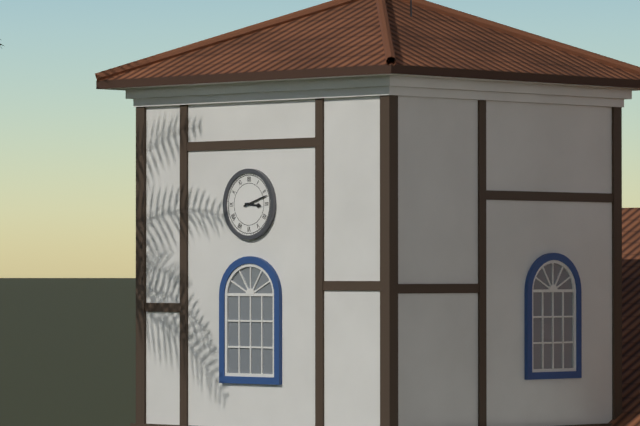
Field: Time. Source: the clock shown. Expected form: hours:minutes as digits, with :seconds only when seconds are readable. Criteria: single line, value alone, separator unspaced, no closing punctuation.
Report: 3:12
